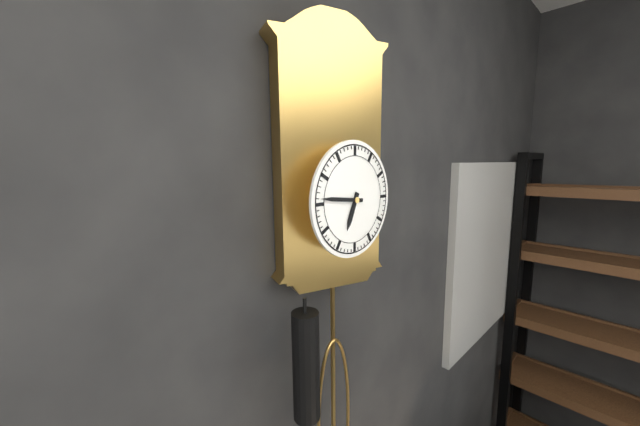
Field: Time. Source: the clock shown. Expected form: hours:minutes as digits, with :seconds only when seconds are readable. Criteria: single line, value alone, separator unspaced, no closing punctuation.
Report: 6:46
